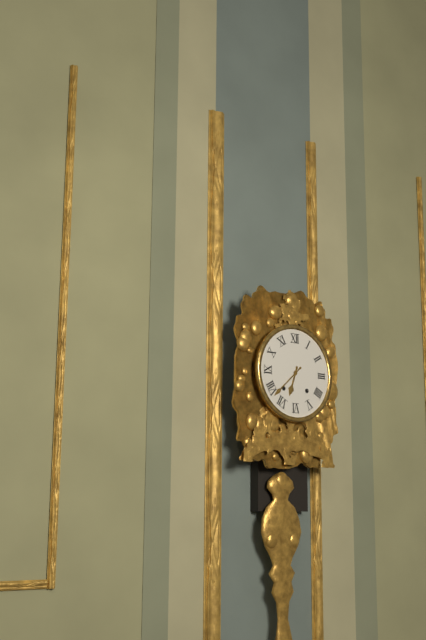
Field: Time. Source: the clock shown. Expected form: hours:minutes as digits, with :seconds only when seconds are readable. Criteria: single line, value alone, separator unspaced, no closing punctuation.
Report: 6:38
